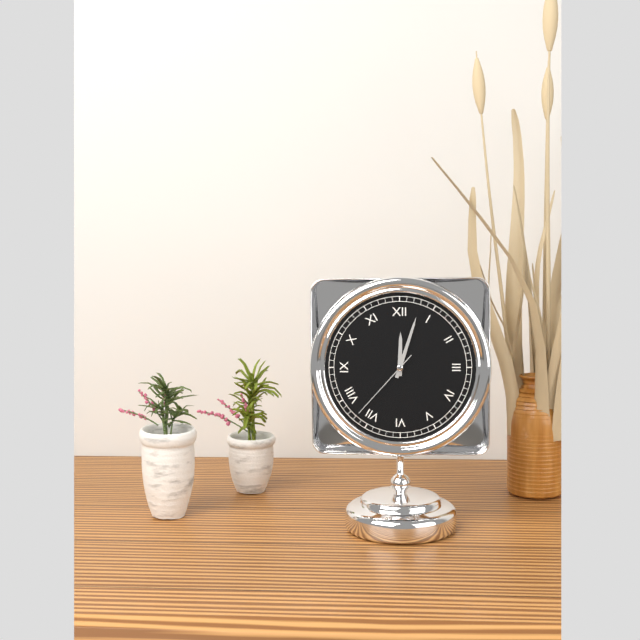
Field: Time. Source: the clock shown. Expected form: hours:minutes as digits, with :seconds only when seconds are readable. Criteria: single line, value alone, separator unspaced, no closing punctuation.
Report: 12:03:37
